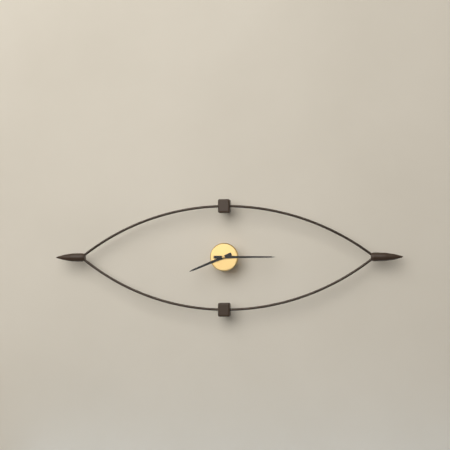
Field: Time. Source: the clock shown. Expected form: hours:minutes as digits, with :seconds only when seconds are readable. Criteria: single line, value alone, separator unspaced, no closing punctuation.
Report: 8:15
